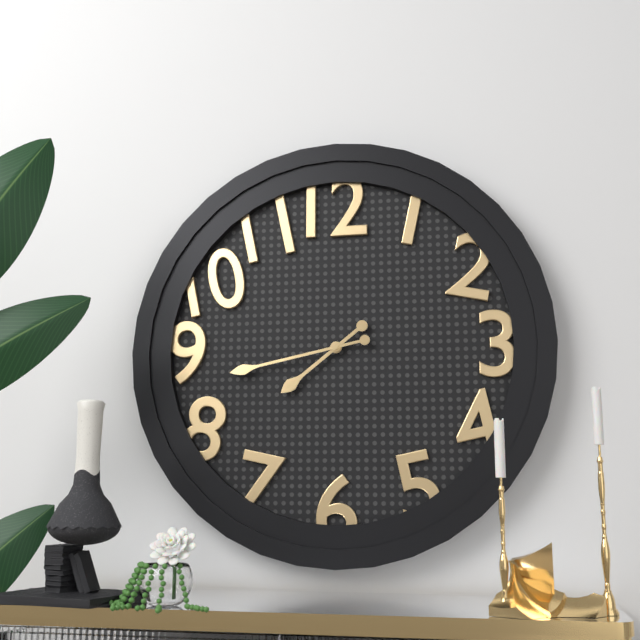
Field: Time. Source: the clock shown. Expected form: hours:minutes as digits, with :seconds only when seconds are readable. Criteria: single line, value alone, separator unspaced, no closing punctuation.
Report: 7:43
